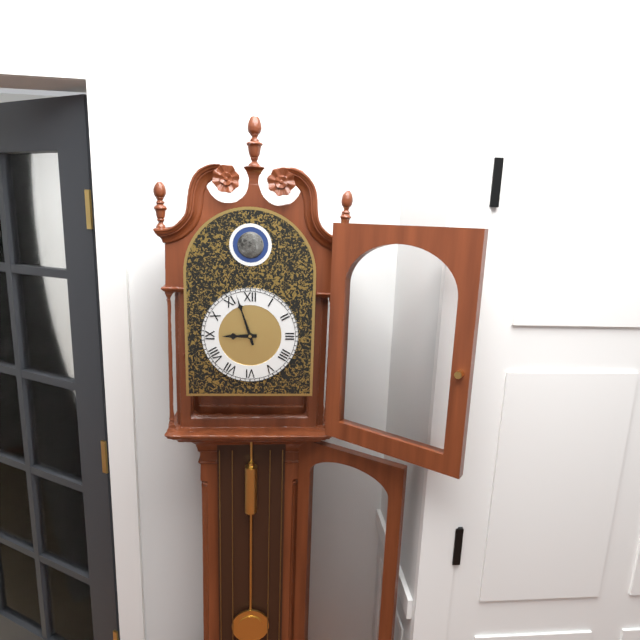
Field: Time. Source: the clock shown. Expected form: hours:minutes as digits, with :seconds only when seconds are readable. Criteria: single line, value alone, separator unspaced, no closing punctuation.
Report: 8:57
